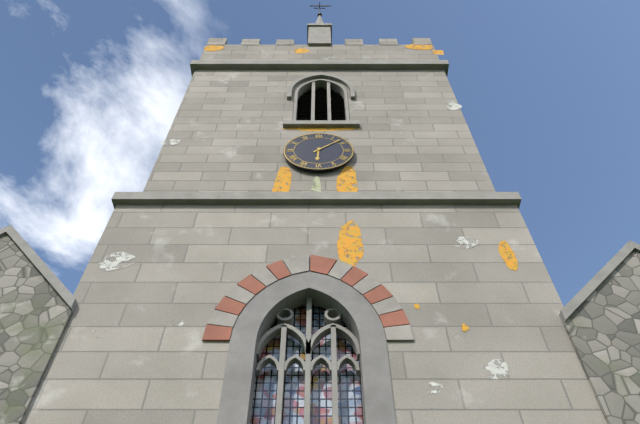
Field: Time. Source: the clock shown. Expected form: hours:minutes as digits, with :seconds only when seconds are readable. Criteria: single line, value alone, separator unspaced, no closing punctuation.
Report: 6:08
